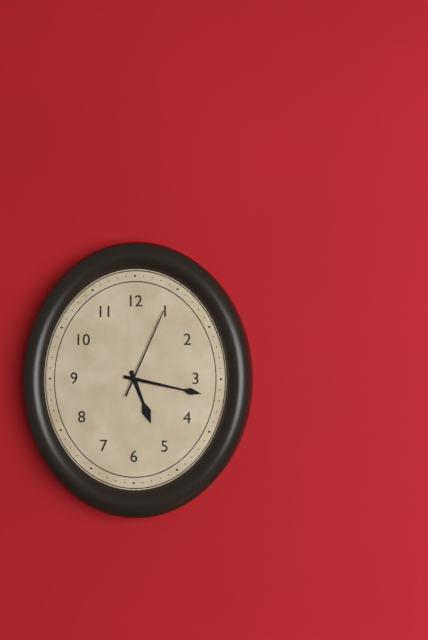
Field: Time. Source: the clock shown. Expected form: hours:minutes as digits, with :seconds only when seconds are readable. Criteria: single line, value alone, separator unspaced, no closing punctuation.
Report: 5:17:04
